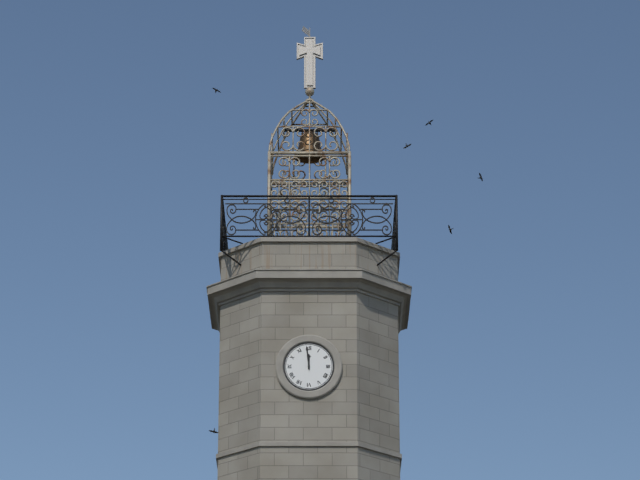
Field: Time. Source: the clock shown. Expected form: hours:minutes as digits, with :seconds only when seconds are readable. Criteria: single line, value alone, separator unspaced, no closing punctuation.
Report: 11:59
